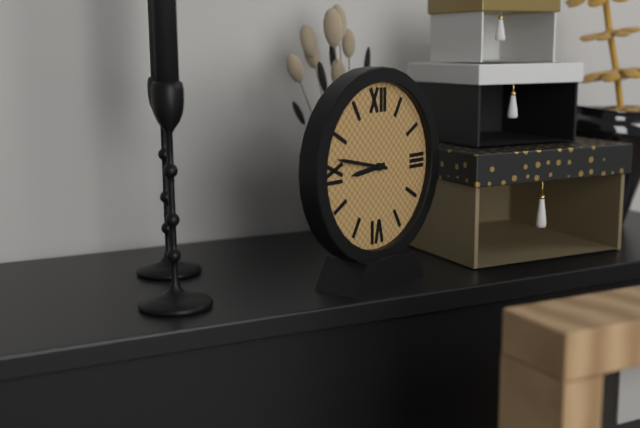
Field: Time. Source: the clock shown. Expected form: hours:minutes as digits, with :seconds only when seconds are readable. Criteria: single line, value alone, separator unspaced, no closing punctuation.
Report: 8:47
